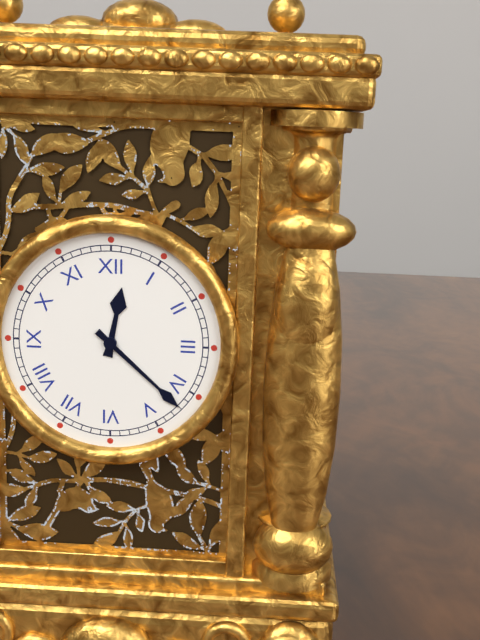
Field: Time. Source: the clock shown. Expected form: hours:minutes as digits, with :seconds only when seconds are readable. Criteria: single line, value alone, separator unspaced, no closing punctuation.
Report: 12:22
